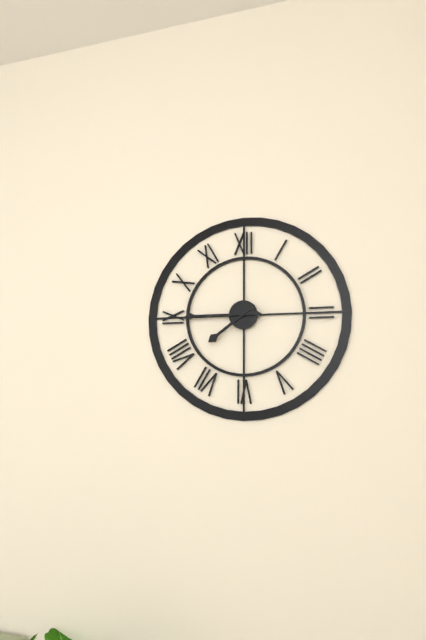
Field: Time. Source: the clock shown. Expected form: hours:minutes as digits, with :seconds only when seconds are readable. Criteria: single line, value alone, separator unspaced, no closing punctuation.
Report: 7:45
